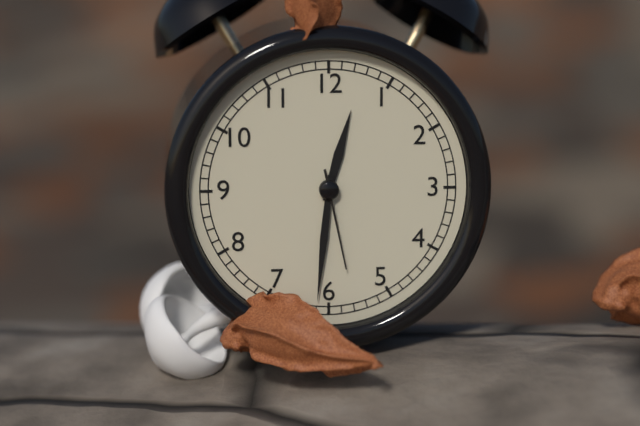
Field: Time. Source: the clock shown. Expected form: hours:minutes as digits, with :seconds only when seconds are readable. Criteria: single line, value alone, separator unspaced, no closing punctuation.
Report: 12:31:28
